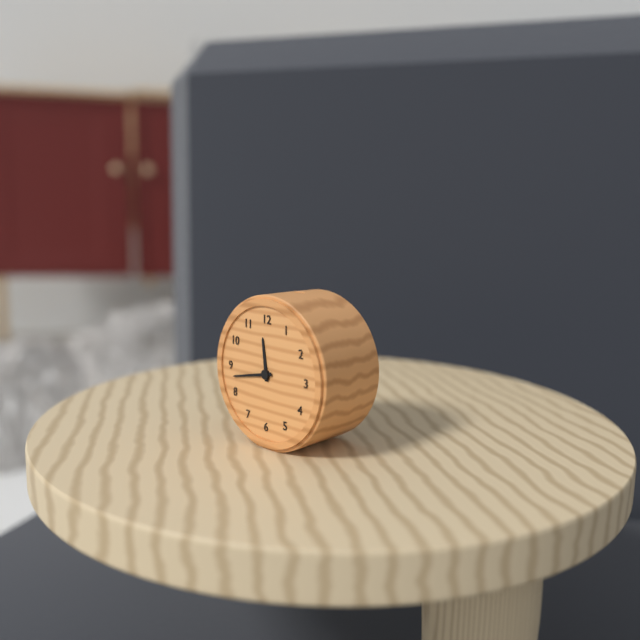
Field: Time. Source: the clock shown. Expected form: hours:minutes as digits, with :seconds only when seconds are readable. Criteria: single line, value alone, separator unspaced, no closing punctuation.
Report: 11:43
